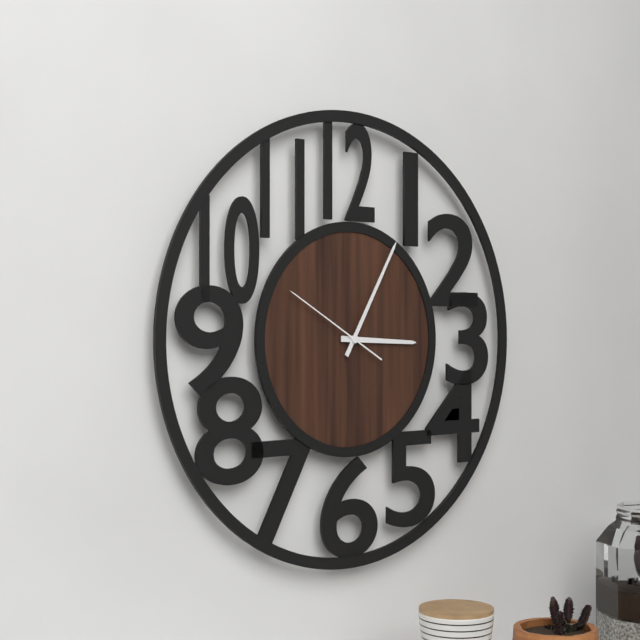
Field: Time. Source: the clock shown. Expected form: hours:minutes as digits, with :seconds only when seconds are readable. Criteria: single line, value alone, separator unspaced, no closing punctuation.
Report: 3:05:50
